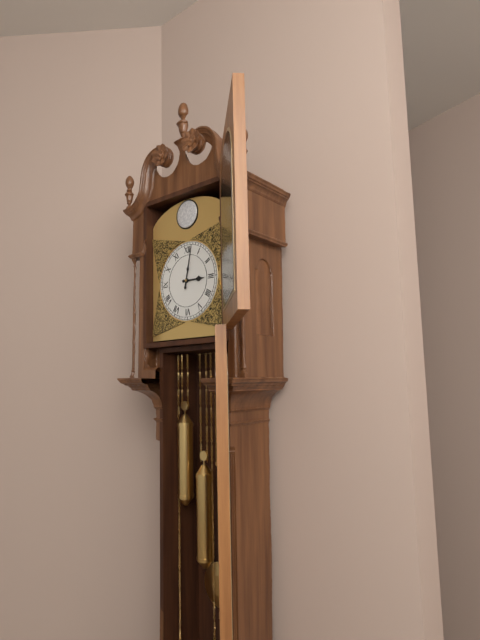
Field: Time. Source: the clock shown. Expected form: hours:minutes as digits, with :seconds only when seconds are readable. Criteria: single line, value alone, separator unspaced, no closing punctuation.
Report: 3:02
